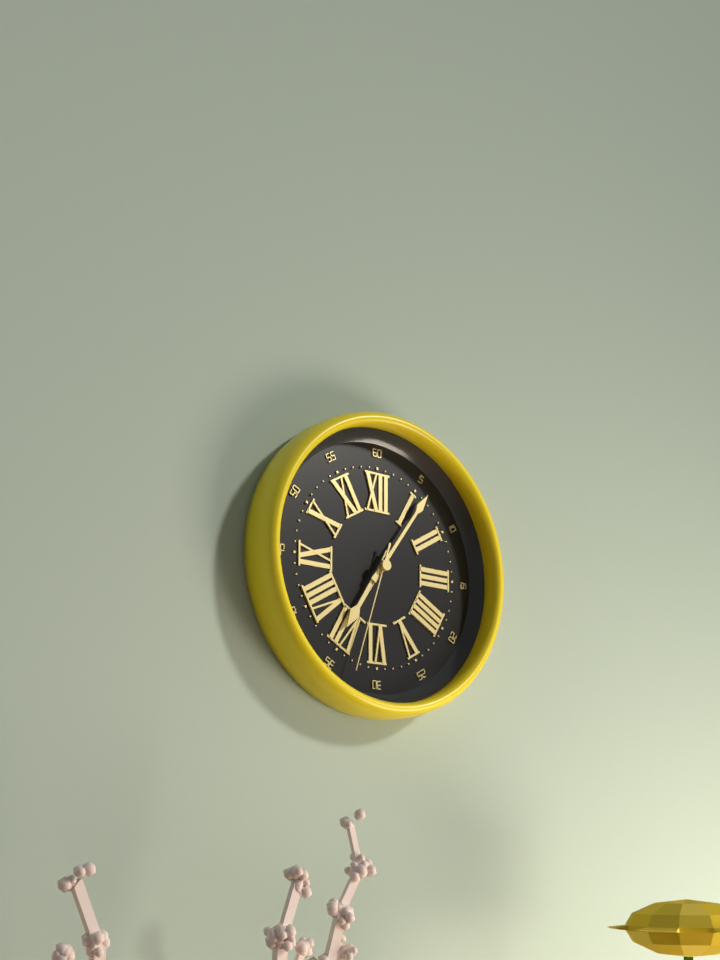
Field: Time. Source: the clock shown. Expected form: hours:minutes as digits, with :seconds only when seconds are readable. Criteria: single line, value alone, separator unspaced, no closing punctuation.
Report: 7:06:33
